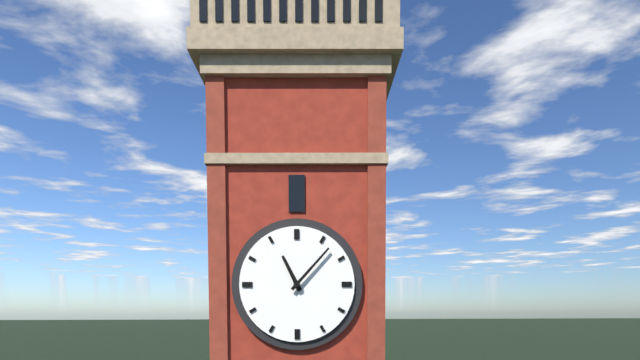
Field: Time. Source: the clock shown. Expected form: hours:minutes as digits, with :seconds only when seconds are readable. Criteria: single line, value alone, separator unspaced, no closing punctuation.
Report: 11:07
